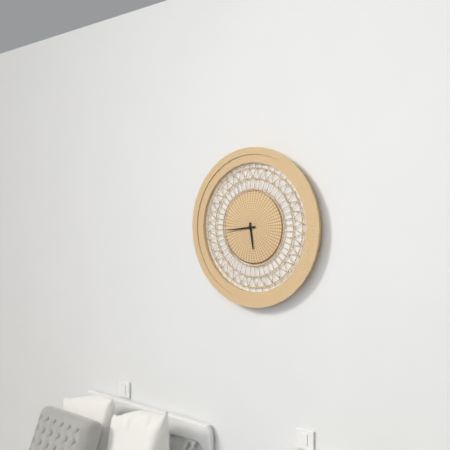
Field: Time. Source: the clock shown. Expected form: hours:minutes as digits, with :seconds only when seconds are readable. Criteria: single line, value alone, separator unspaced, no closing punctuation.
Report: 5:44
